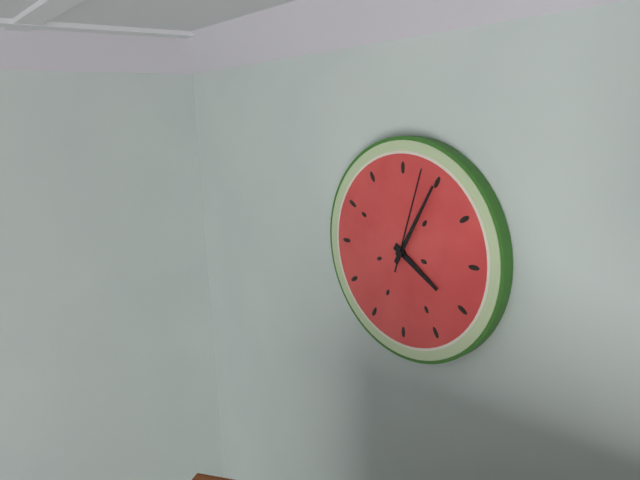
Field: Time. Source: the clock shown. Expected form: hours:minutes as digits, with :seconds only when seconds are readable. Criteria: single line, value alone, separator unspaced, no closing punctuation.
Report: 4:05:03
